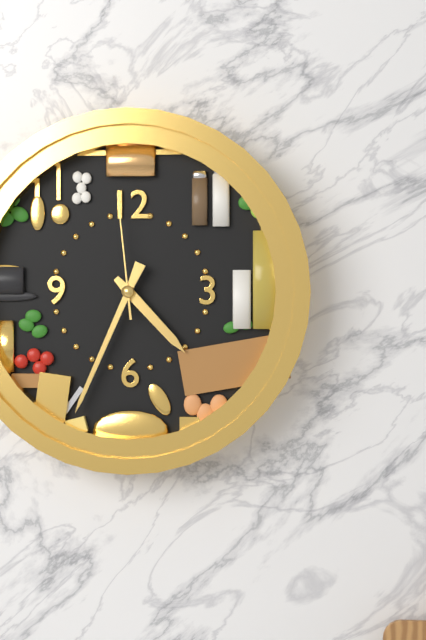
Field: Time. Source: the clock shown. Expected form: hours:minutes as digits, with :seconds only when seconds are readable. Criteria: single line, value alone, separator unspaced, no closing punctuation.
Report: 4:34:59
